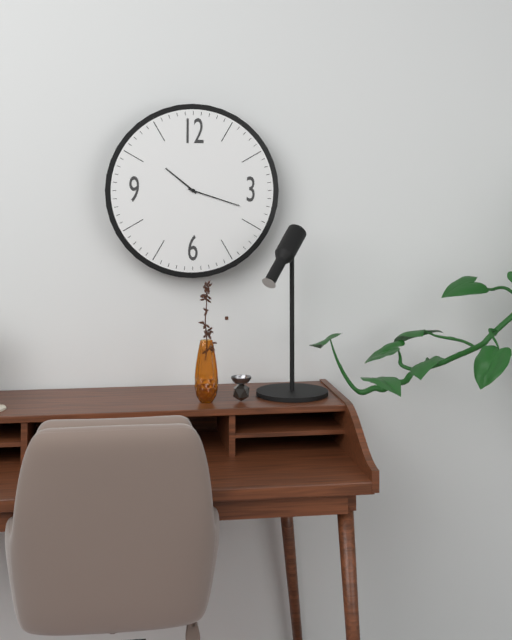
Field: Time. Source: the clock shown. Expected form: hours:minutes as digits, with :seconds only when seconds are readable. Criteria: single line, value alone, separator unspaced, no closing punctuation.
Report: 10:18
